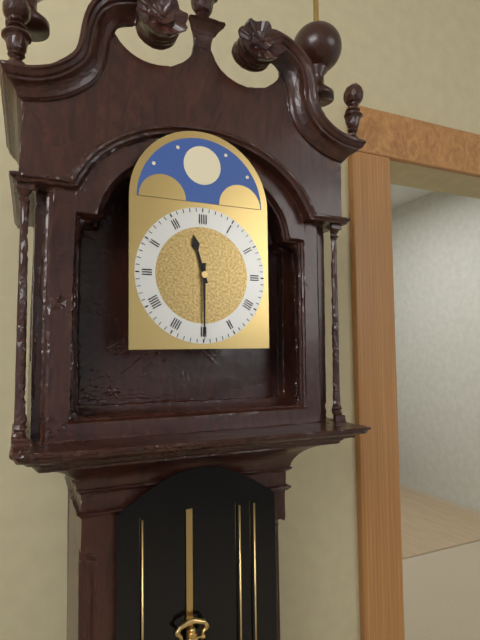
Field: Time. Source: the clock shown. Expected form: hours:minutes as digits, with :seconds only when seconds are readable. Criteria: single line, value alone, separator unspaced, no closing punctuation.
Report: 11:30
